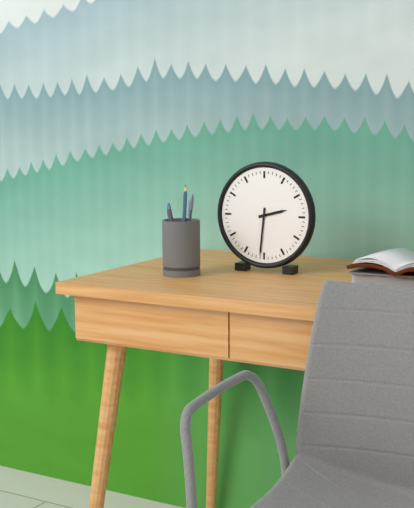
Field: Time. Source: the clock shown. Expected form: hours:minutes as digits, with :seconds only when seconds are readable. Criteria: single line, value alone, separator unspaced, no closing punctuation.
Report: 2:31
